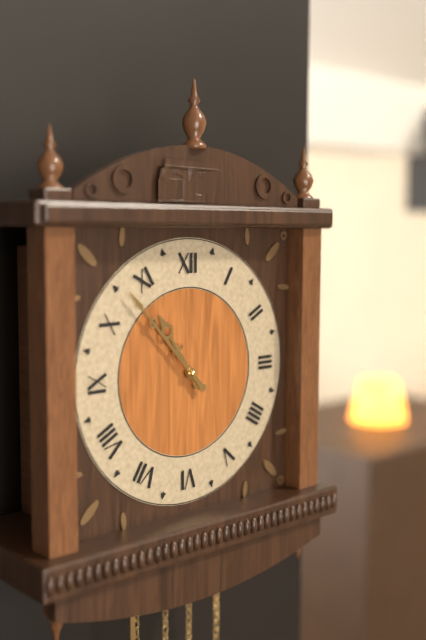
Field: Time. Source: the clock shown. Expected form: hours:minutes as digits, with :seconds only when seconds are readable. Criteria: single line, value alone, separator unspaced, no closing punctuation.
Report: 10:53
